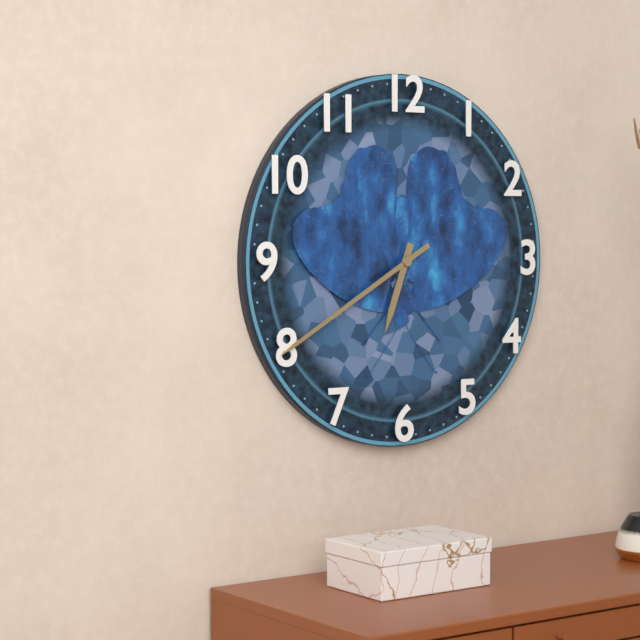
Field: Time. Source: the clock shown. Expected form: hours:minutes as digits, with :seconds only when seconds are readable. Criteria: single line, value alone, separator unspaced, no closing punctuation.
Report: 6:40
